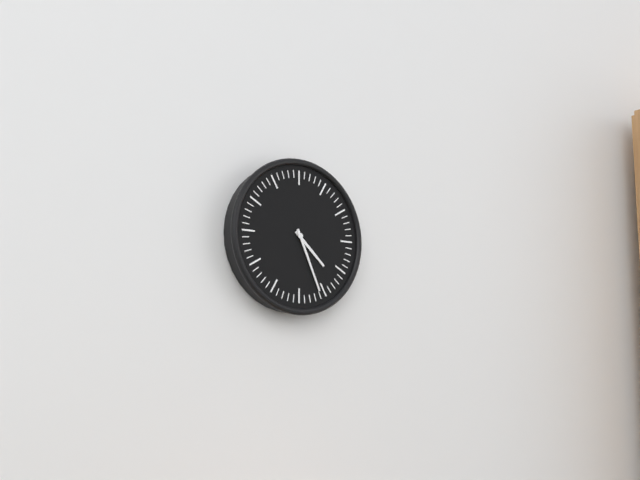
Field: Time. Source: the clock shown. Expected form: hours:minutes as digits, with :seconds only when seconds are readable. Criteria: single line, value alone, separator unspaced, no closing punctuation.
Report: 4:26
